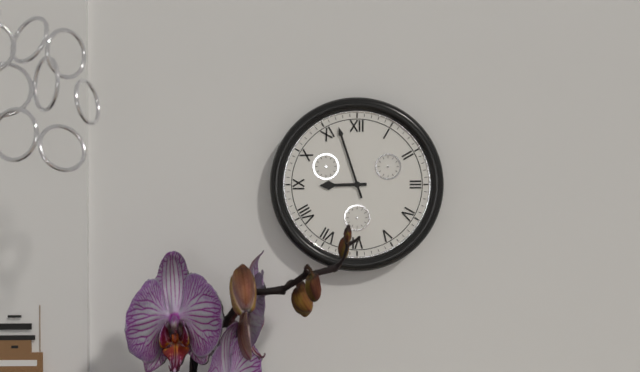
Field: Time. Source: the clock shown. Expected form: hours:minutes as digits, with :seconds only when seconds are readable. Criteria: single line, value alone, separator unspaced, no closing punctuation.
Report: 8:57
